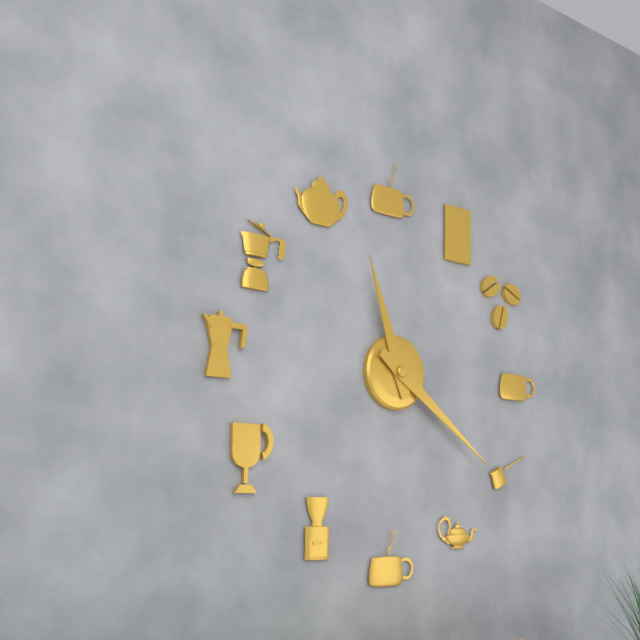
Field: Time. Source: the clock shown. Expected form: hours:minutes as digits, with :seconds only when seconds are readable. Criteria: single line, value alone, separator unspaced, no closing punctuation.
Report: 11:21
